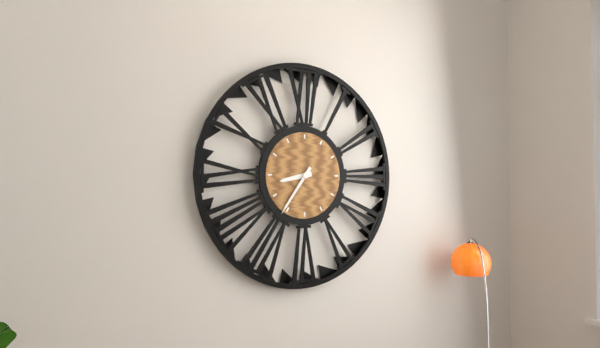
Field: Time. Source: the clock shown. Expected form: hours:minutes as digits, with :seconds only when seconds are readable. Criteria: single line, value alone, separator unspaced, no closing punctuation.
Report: 8:36
